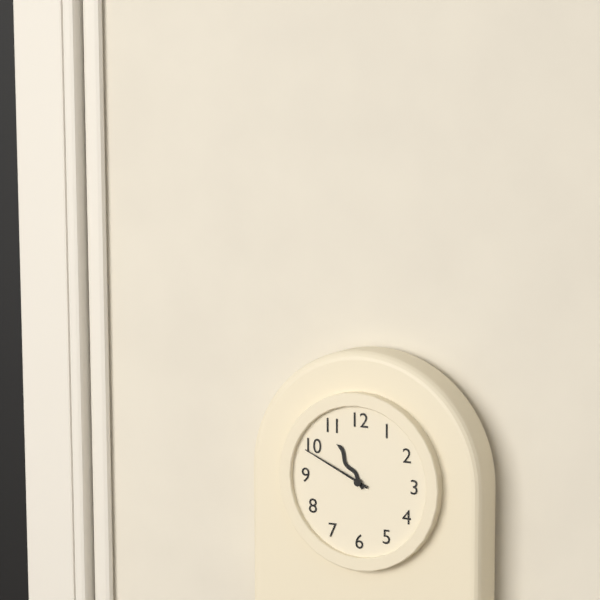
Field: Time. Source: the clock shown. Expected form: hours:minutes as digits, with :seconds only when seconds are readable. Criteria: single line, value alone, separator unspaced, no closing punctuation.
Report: 10:49
